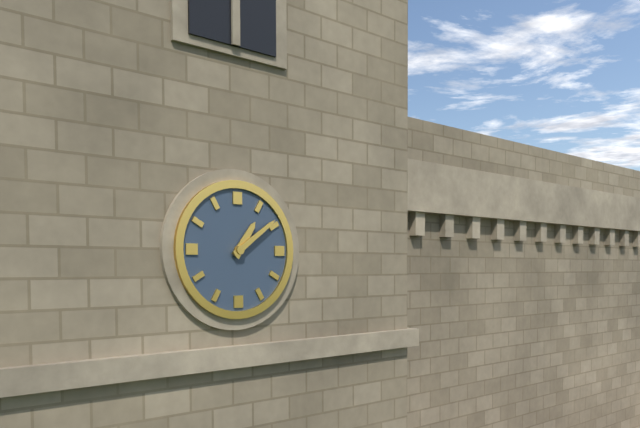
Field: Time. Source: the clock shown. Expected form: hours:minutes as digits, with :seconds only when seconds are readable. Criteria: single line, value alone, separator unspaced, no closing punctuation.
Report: 1:09
